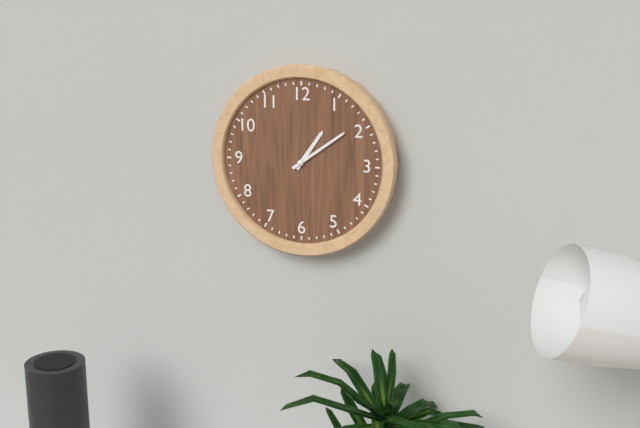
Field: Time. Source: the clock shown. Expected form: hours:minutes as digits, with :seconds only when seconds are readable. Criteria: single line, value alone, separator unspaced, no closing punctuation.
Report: 1:09
